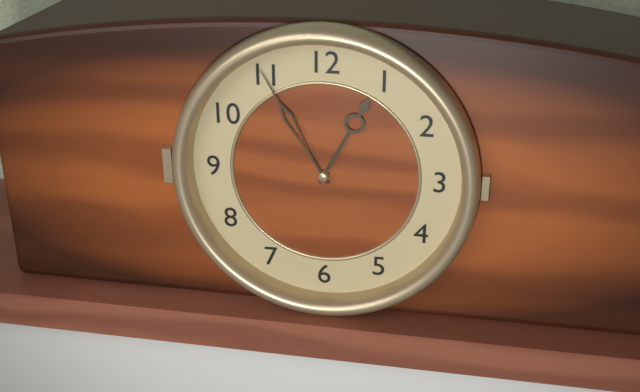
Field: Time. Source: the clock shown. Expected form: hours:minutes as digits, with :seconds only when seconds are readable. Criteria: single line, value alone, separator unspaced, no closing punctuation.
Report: 12:55
